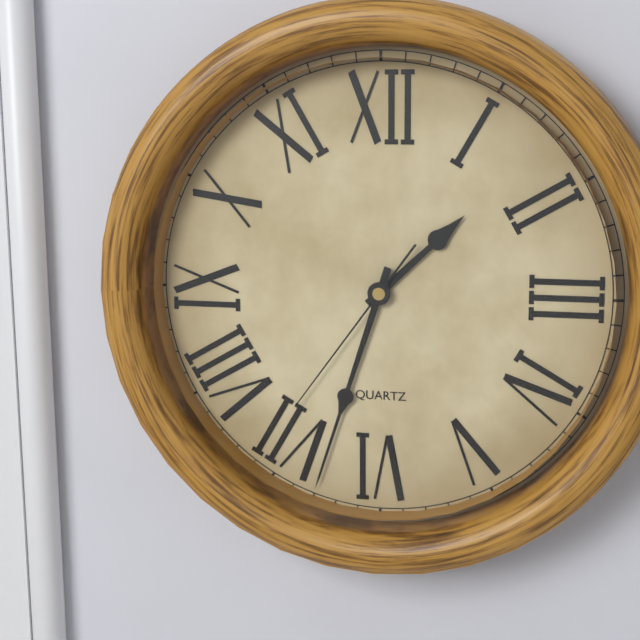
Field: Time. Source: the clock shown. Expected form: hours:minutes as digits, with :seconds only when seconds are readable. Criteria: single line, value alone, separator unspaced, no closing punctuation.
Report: 1:33:36
